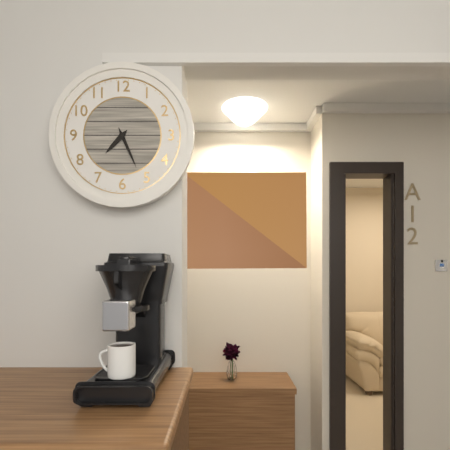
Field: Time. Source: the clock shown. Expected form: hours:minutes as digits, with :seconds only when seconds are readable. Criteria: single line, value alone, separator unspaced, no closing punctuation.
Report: 7:26
